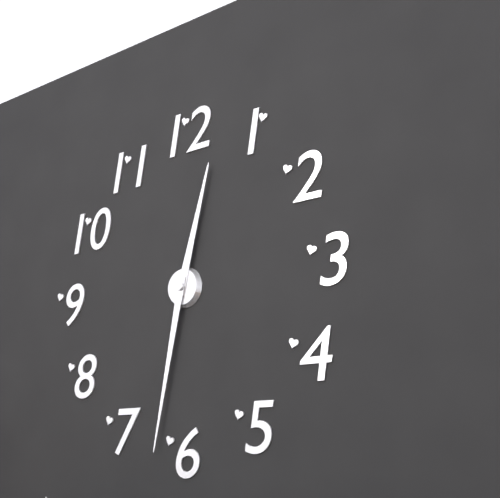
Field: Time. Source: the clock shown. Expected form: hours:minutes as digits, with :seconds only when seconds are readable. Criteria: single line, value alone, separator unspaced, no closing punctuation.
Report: 12:32
